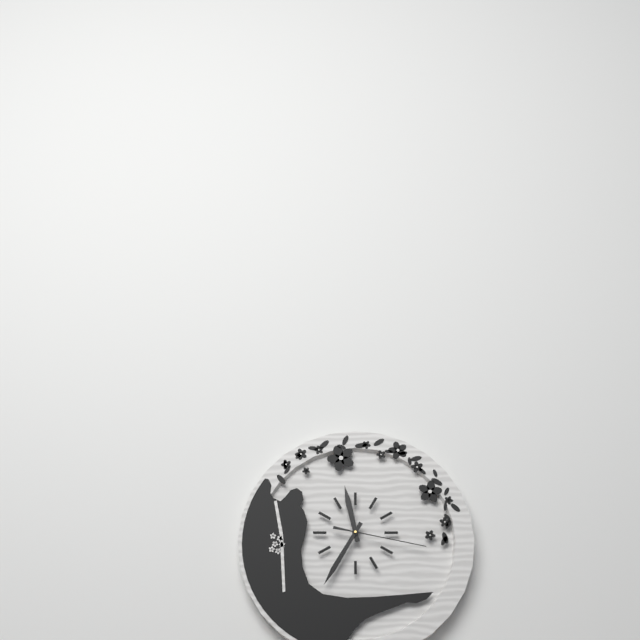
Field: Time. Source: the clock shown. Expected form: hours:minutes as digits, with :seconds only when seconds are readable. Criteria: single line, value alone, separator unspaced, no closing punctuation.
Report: 11:35:17
